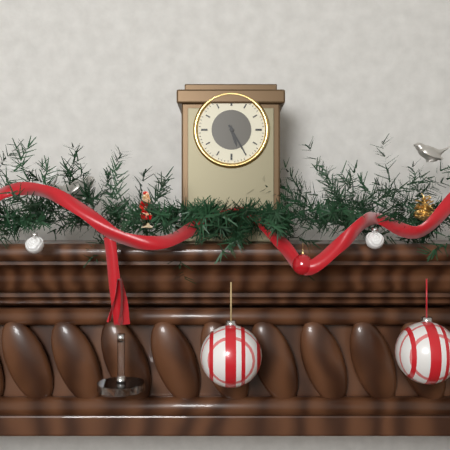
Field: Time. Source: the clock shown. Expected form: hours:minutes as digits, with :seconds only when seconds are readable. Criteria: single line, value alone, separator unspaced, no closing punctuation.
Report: 5:25
